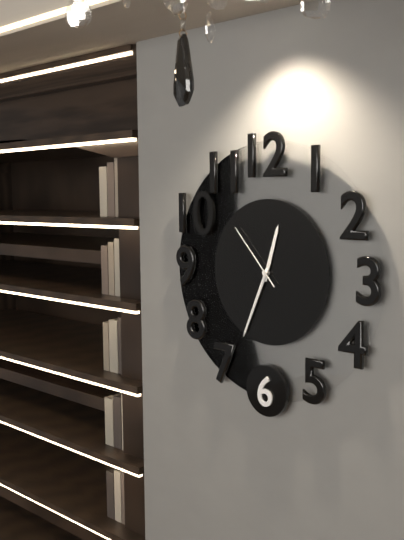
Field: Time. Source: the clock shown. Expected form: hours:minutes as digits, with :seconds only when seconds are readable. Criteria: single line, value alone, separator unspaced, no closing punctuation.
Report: 12:34:53
